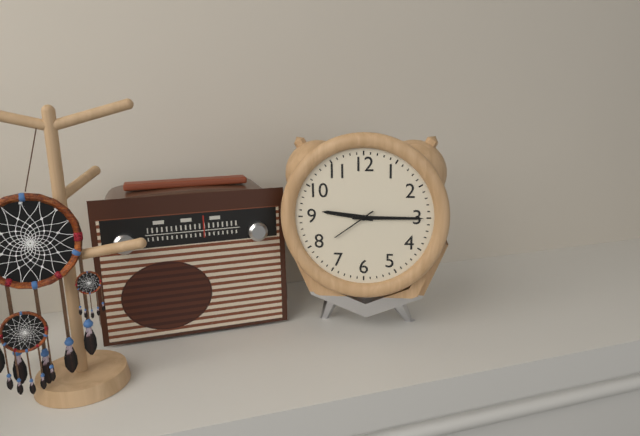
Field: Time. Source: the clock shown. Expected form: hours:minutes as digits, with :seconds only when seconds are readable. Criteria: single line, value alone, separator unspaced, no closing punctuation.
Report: 9:15
